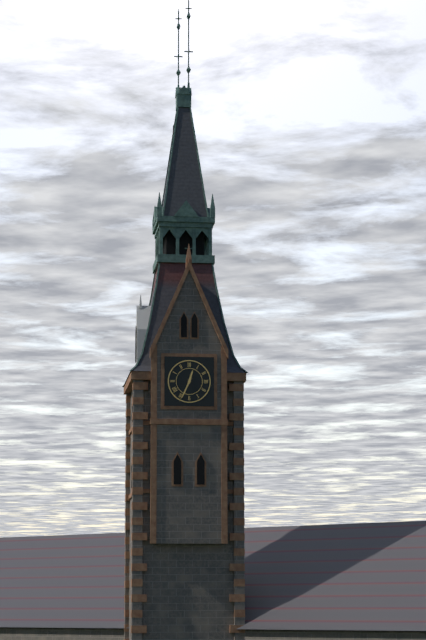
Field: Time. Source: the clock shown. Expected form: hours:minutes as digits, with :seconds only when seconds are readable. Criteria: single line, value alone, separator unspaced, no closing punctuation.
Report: 12:34
